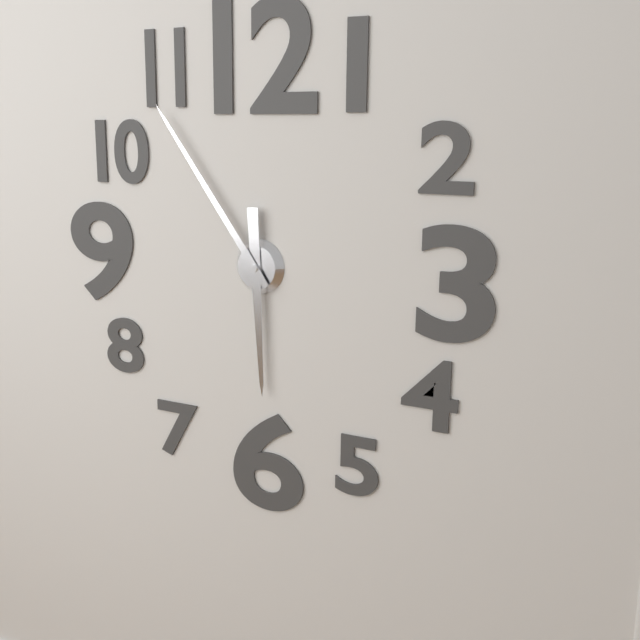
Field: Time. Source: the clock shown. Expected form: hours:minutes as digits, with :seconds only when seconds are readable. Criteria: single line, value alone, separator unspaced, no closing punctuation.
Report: 5:54
